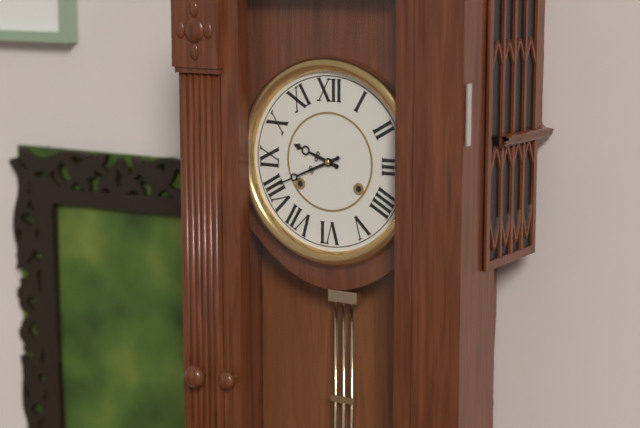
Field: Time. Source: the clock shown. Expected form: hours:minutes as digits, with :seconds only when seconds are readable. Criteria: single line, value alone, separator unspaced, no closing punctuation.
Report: 9:41
